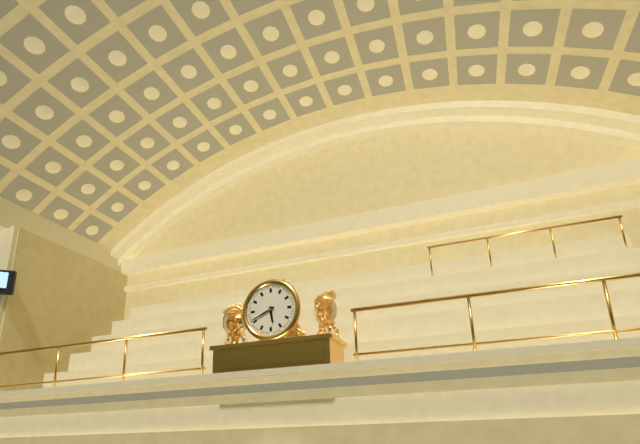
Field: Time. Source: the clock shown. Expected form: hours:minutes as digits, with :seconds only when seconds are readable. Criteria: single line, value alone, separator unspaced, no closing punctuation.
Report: 5:41
